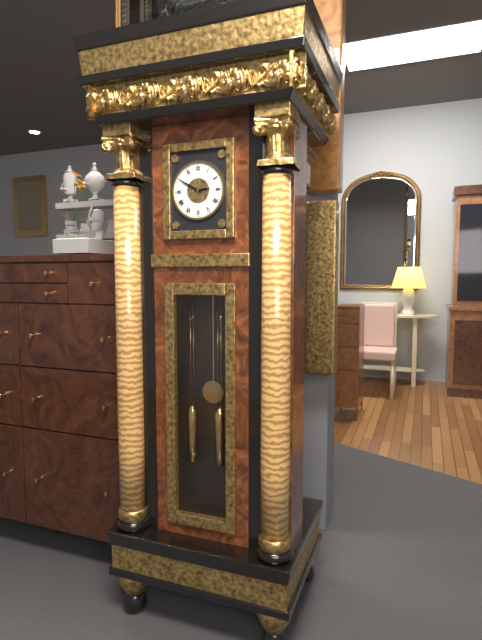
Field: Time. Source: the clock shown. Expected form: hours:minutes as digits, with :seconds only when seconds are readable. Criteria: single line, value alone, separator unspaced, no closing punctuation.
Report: 2:50
